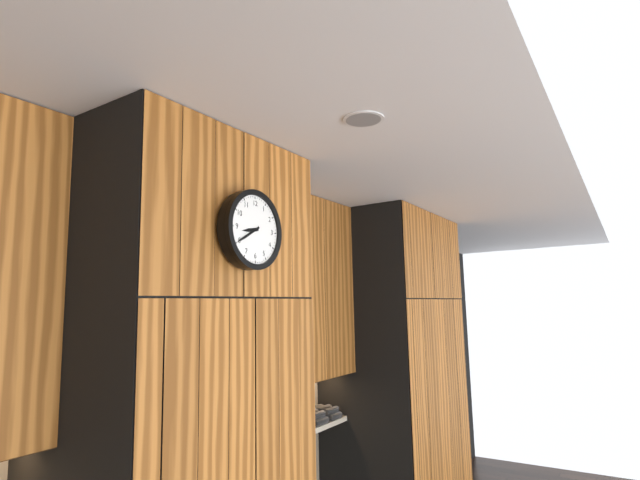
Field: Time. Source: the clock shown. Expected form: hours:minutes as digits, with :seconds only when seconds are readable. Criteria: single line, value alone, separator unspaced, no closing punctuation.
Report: 8:40
